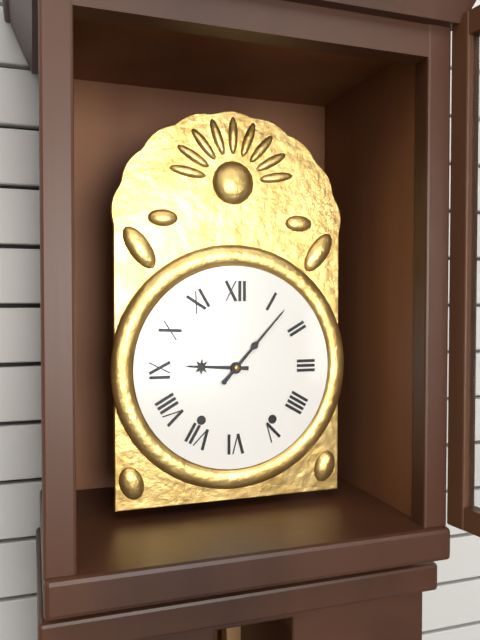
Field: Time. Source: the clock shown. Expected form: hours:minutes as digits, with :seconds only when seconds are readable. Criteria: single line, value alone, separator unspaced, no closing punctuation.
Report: 9:07
